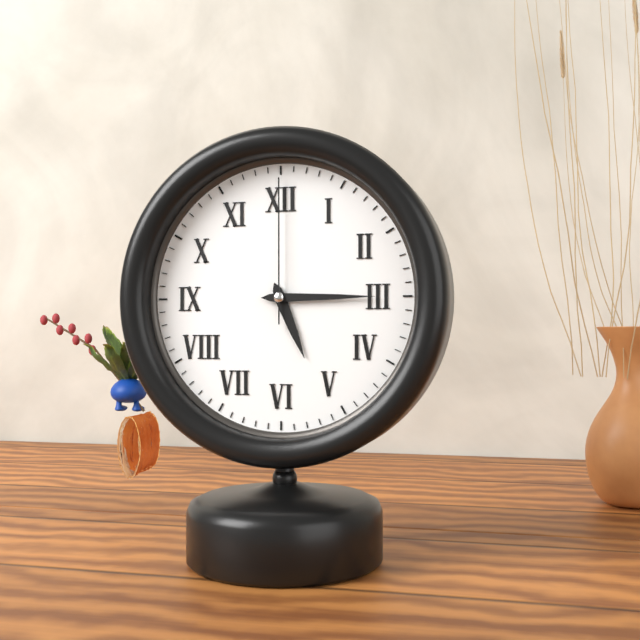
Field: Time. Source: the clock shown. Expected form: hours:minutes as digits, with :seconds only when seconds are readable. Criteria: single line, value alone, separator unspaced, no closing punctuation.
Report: 5:15:00
